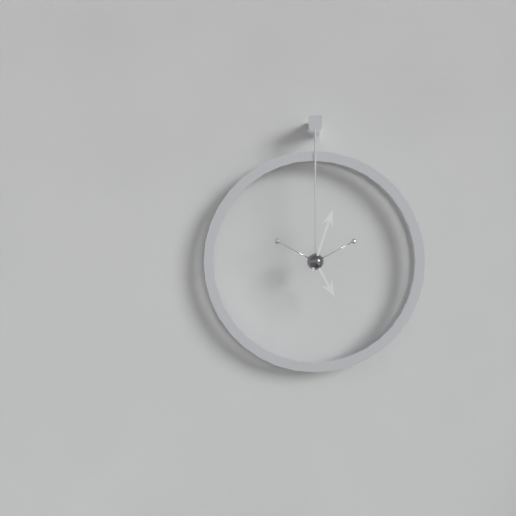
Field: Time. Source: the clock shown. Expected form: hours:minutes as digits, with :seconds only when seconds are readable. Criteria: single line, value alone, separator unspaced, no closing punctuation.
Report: 5:03
